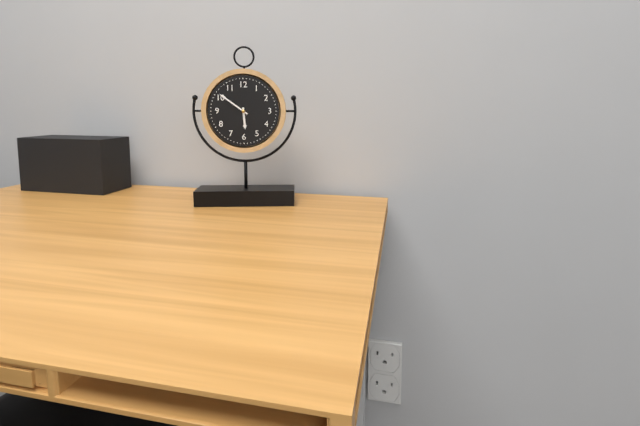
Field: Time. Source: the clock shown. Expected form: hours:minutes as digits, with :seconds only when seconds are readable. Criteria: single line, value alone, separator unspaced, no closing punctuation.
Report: 5:51
